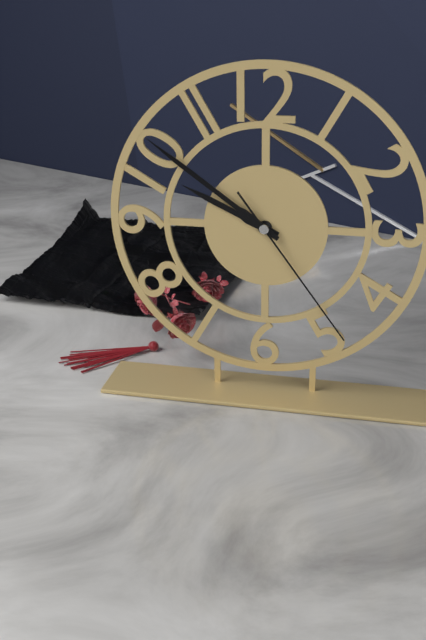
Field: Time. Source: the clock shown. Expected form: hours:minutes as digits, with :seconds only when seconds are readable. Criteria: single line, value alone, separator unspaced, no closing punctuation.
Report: 9:51:24
